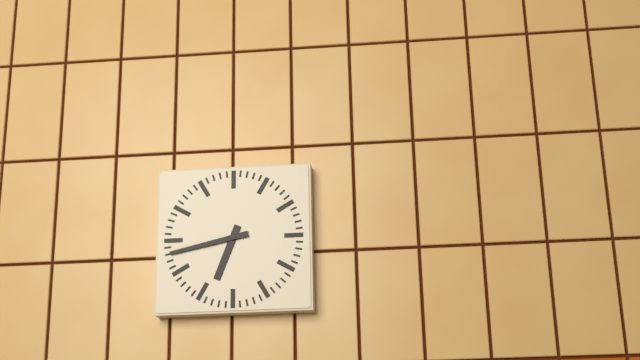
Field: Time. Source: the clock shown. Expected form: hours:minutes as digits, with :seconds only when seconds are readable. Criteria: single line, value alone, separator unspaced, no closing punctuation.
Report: 6:43
